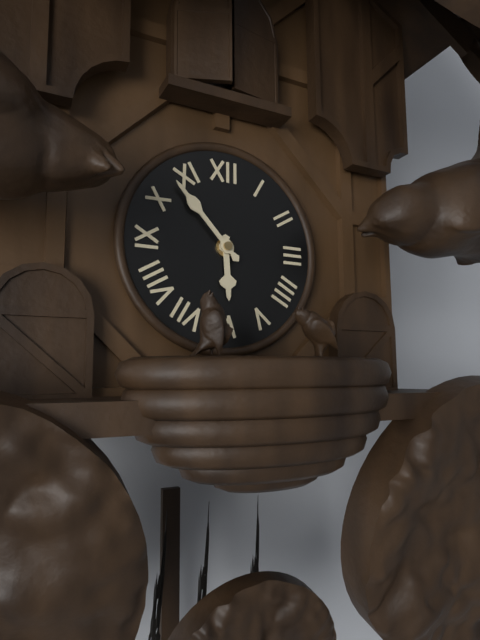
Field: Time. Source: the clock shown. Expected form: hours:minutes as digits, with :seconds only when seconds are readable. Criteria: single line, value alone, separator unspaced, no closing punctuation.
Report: 5:53
